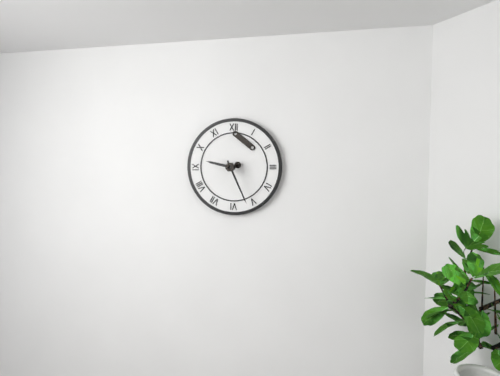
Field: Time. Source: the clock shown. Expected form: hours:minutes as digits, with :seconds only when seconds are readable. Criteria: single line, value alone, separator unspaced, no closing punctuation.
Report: 9:26
